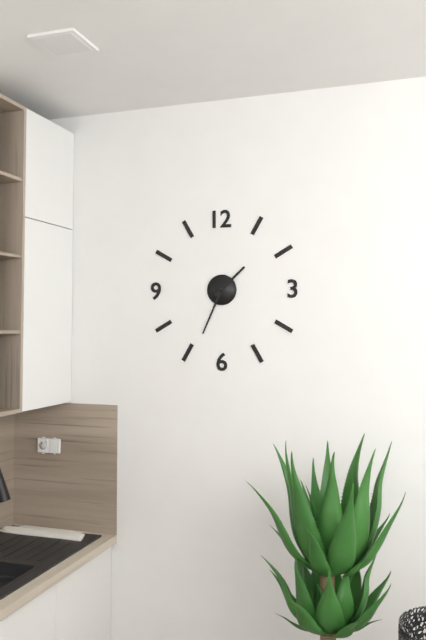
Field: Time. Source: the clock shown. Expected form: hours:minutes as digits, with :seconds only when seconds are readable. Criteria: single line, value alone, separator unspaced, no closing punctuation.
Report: 1:34
